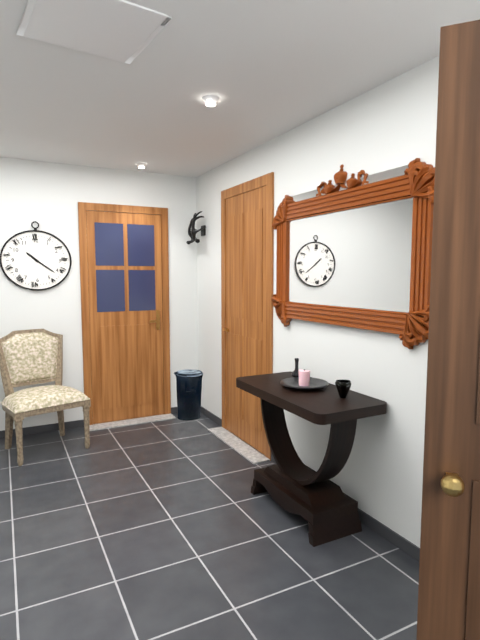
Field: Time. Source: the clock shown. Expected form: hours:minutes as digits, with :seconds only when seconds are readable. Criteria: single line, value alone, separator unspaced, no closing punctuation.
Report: 10:21
